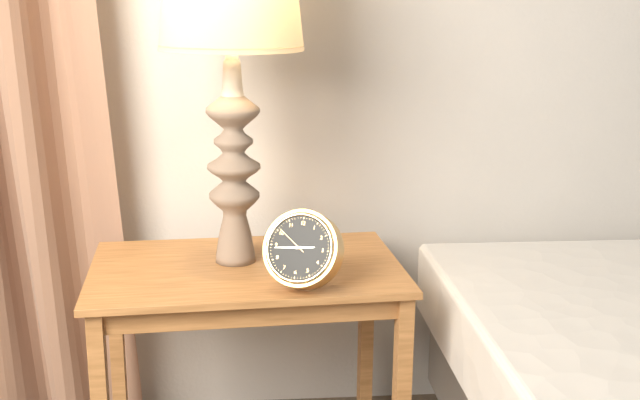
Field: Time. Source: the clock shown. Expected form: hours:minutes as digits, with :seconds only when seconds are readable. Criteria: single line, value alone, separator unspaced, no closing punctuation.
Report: 2:44
